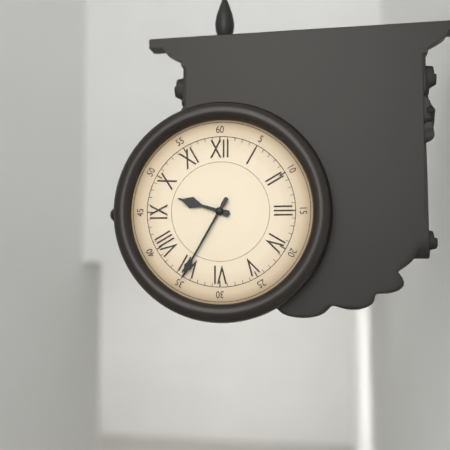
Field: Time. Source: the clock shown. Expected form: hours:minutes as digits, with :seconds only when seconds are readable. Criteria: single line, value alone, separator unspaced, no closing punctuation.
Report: 9:35
